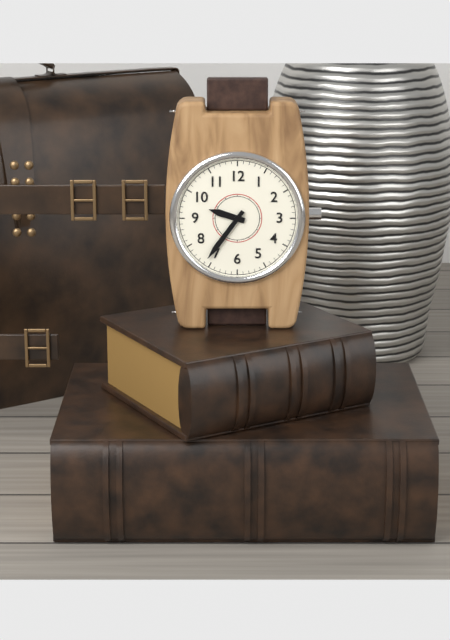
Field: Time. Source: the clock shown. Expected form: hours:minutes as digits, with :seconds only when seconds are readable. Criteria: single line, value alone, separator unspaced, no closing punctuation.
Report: 9:36
